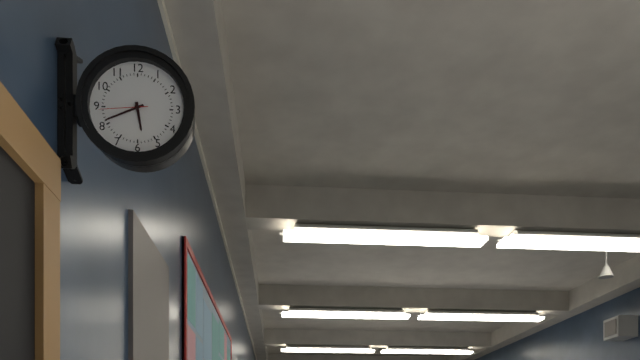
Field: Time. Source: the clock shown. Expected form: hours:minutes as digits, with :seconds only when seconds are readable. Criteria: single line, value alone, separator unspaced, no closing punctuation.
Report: 5:41
